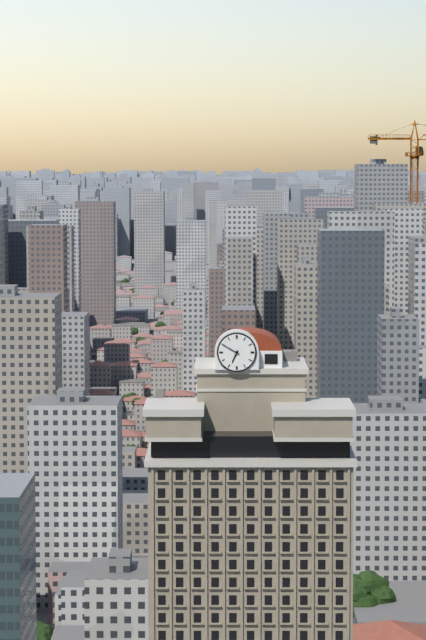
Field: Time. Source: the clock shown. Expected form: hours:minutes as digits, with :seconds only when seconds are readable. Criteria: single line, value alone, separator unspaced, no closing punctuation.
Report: 6:50
